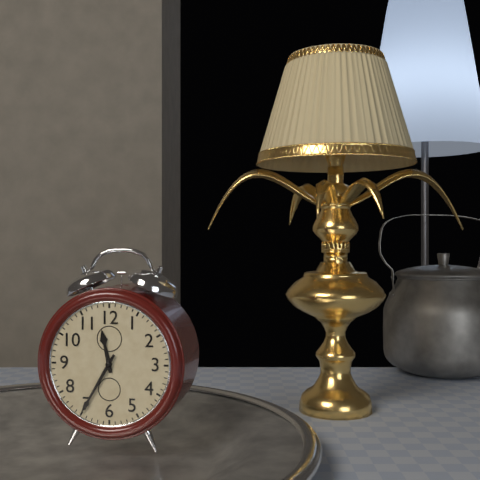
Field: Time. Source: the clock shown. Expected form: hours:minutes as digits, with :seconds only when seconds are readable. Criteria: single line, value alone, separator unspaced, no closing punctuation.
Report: 11:35
